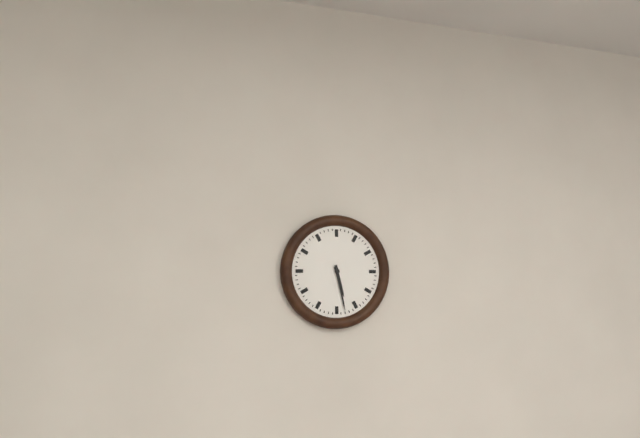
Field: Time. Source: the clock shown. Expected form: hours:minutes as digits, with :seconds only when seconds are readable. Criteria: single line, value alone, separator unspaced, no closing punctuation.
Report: 5:28
